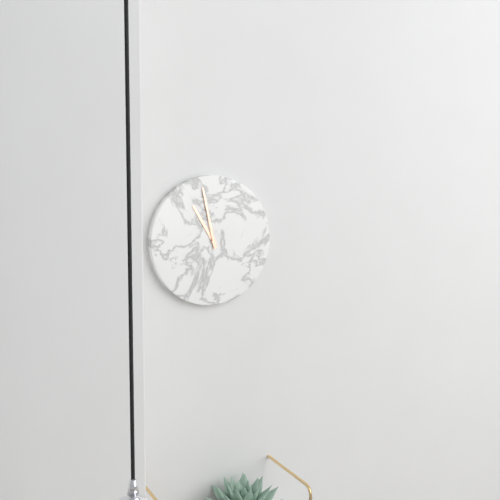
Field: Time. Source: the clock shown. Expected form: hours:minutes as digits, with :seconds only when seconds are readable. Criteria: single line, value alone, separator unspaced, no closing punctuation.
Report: 10:58
